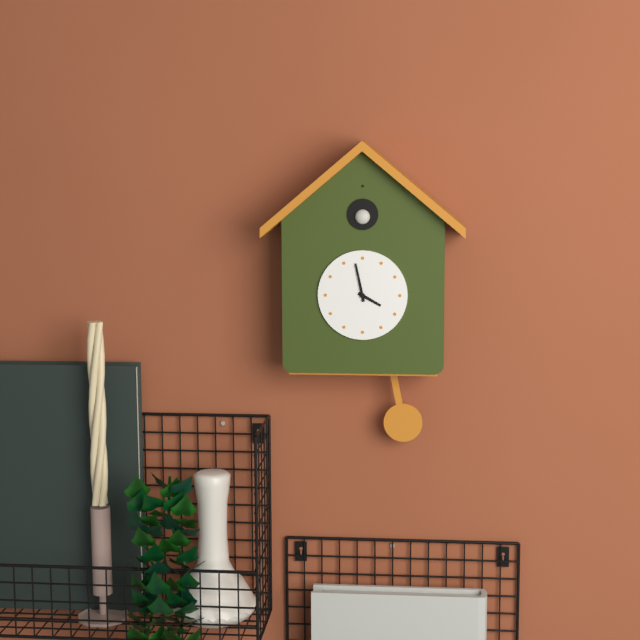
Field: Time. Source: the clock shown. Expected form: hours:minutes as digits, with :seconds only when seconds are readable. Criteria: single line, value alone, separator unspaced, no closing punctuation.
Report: 3:58
